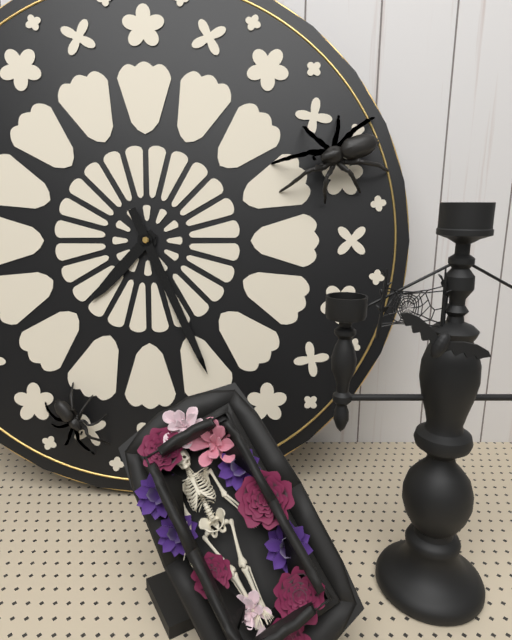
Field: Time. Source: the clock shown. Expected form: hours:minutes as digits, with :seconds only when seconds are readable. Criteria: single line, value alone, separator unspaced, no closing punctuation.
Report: 7:26
